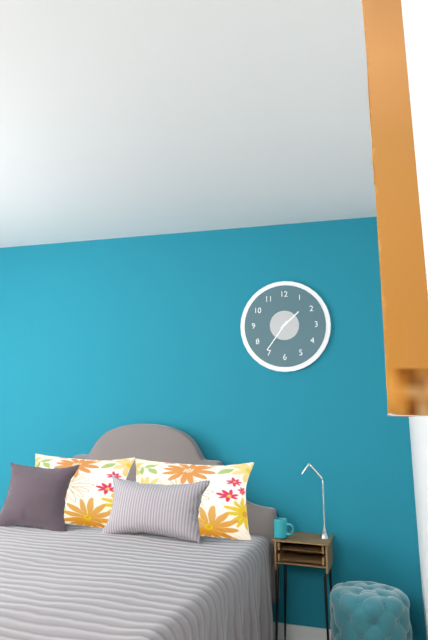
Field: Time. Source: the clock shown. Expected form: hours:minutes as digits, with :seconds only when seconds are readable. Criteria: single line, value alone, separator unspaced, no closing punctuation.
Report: 1:36
